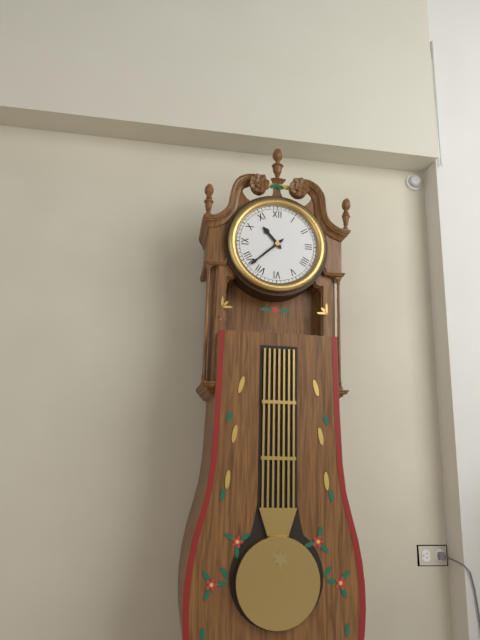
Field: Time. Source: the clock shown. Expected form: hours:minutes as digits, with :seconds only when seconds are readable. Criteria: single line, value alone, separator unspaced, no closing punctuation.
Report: 10:38
